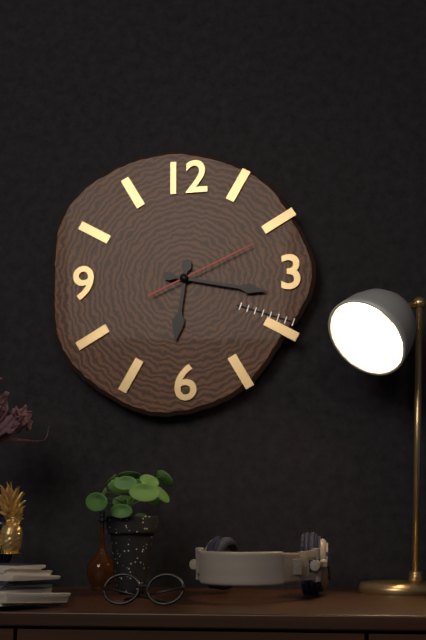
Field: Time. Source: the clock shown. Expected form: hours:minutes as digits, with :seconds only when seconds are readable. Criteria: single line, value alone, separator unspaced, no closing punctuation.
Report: 6:17:11
